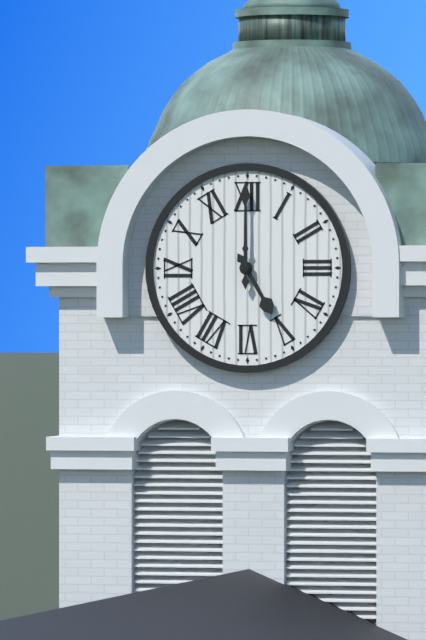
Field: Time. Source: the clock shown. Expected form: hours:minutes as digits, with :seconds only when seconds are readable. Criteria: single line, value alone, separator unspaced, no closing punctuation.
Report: 5:00
